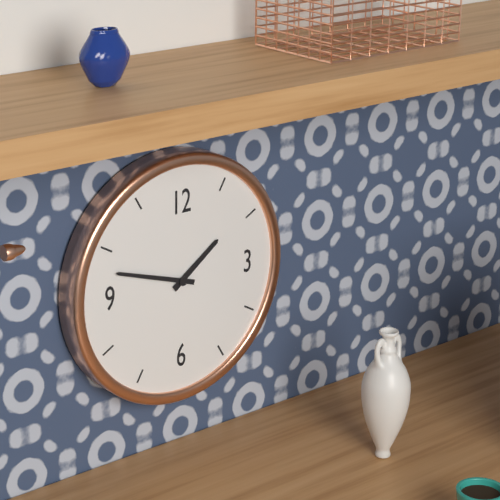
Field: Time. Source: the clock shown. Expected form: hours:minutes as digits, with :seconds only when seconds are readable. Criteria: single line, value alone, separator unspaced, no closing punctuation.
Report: 1:48
